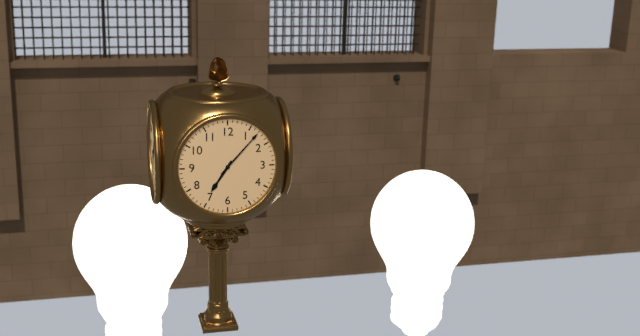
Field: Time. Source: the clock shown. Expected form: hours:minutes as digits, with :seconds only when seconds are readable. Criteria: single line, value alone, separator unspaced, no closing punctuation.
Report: 7:07
